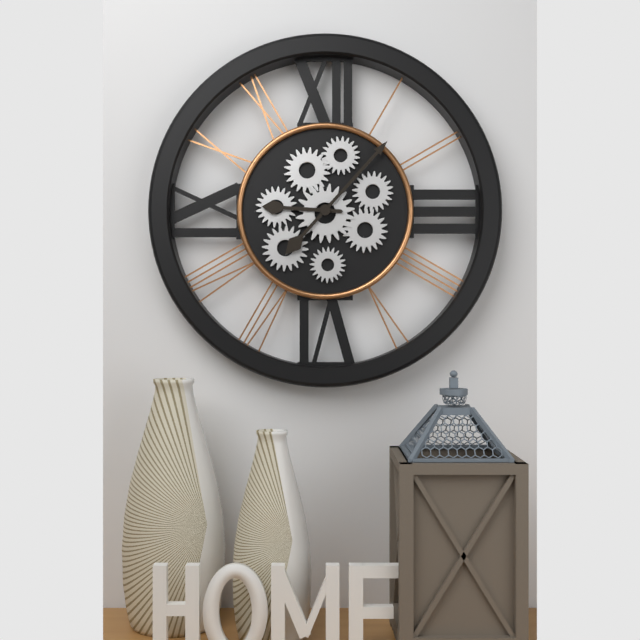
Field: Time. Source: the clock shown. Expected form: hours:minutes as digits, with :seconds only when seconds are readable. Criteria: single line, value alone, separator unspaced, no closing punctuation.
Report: 9:07
